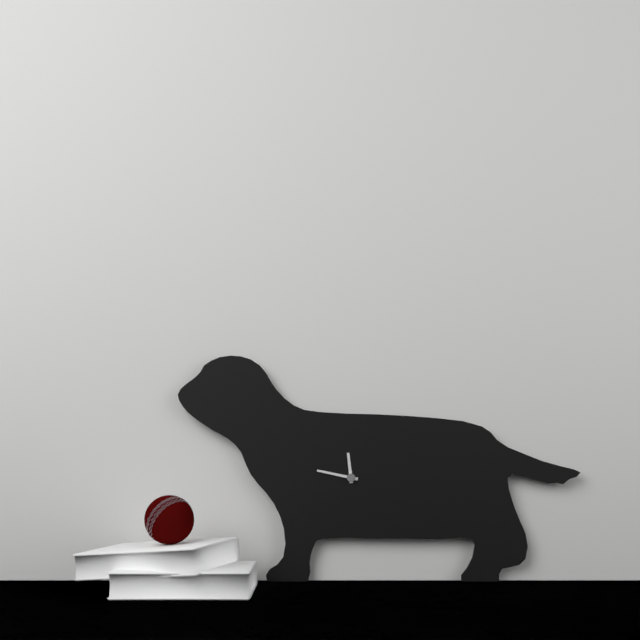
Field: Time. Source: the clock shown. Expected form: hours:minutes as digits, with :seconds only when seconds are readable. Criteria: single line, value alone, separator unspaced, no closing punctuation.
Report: 11:47
